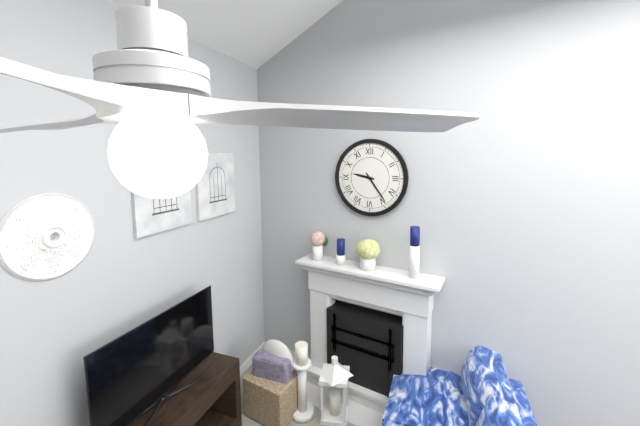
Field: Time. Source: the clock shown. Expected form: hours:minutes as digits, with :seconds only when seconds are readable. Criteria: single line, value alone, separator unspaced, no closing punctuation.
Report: 9:24
